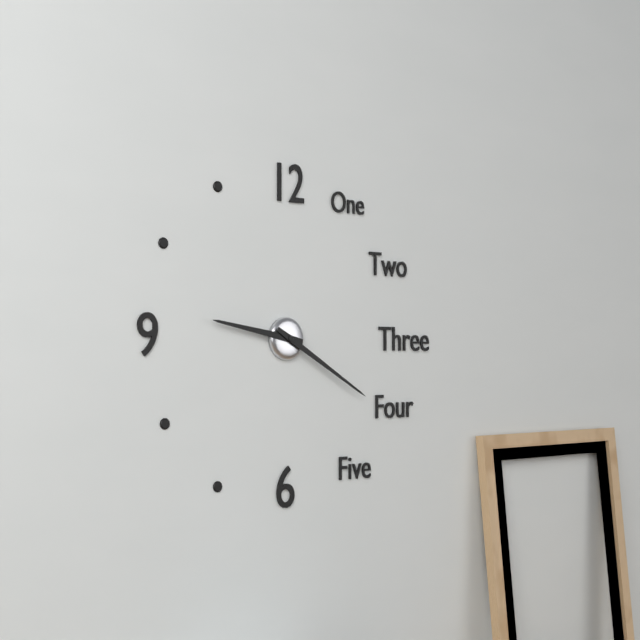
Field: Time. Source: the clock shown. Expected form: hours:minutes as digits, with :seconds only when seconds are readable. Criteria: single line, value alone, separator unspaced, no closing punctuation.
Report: 9:20
